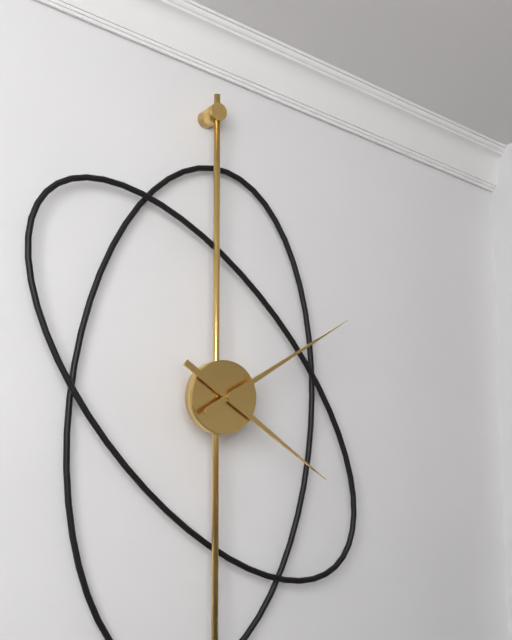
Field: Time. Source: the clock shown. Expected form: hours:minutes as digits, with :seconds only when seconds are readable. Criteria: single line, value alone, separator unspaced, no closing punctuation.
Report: 4:10
